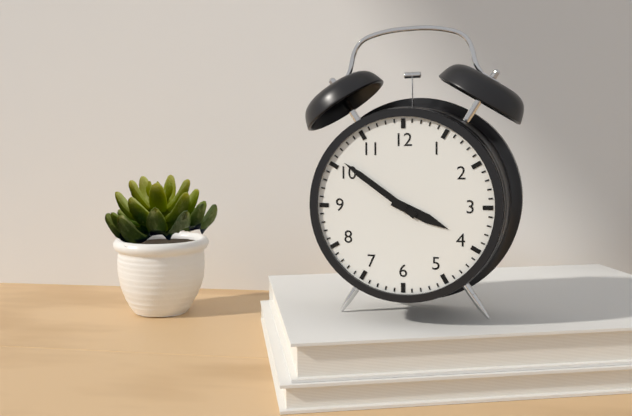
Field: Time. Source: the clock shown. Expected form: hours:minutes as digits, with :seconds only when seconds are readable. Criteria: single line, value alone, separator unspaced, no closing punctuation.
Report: 3:51
